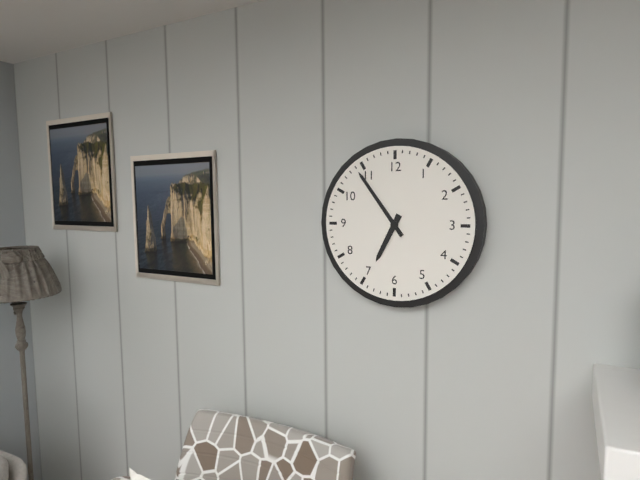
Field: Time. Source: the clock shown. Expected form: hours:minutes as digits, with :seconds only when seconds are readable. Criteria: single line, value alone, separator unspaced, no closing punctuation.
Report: 6:54
